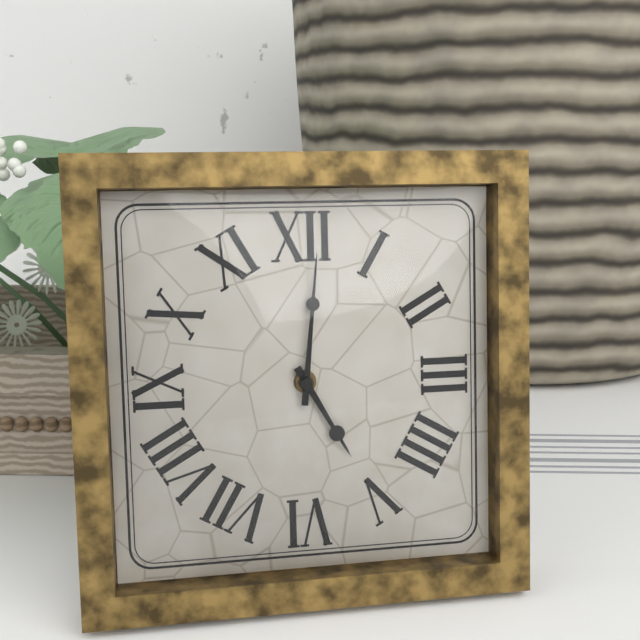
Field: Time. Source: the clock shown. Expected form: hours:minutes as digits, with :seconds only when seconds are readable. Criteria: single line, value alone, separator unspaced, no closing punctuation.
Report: 5:01
